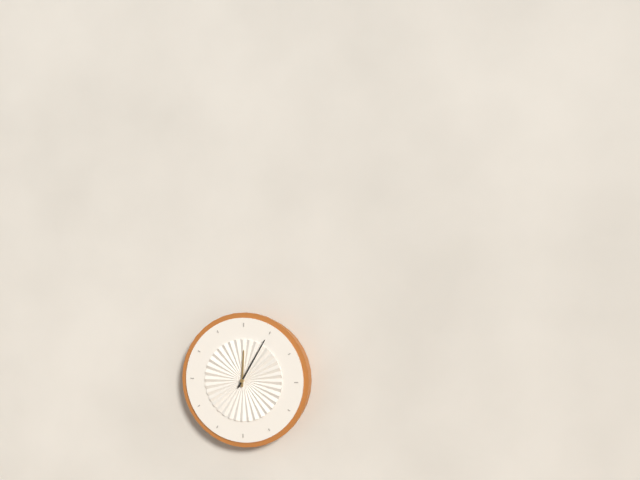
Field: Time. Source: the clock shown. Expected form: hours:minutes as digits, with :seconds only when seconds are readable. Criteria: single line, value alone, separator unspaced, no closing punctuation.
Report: 12:05
